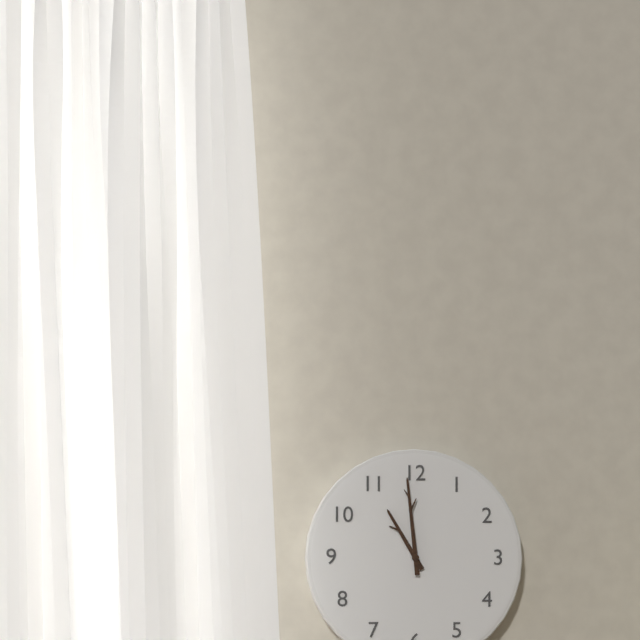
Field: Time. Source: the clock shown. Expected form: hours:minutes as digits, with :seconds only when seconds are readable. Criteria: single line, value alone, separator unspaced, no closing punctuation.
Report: 10:59
